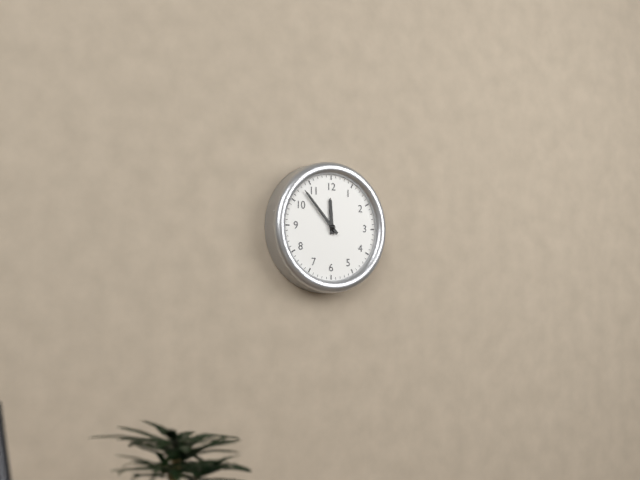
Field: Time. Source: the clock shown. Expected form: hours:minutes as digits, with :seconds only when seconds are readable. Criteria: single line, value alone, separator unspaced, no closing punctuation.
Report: 11:53
